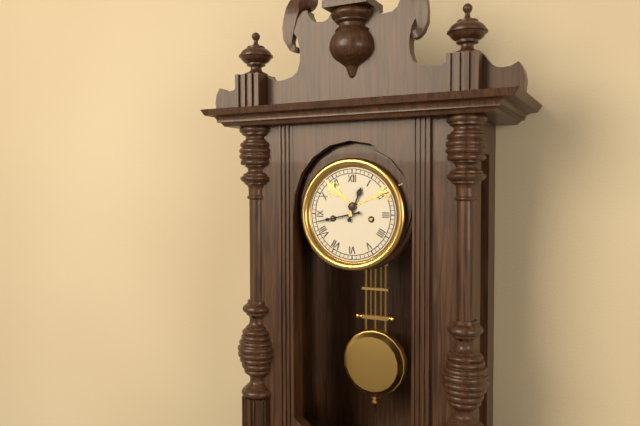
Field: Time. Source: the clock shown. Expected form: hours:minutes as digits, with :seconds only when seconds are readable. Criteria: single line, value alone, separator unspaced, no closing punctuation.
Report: 12:43
